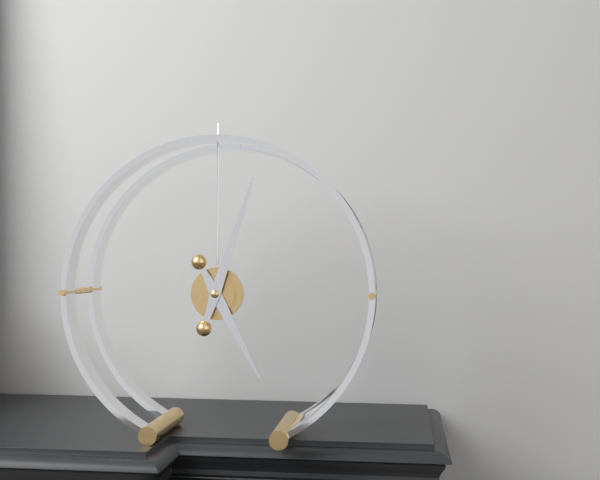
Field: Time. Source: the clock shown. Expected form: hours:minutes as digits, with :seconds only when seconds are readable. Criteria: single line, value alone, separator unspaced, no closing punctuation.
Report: 5:03
